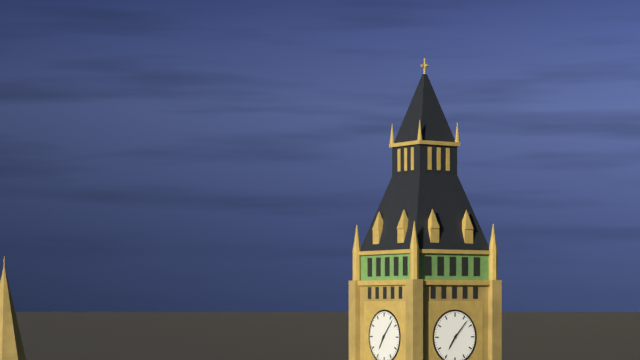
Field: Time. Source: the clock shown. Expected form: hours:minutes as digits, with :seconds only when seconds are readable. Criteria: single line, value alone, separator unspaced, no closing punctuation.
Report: 7:07
